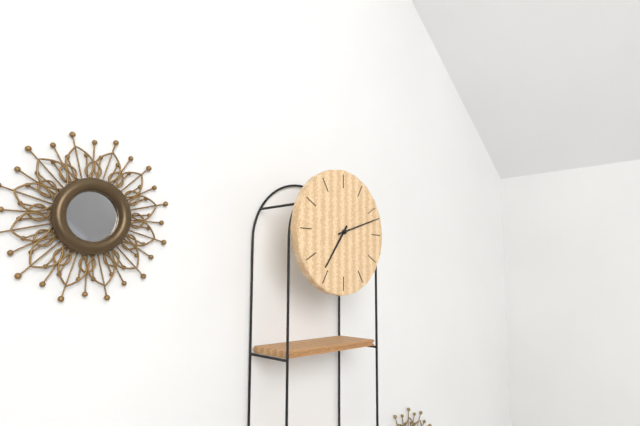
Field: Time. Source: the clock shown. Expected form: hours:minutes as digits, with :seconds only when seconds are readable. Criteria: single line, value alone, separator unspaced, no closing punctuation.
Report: 7:12
